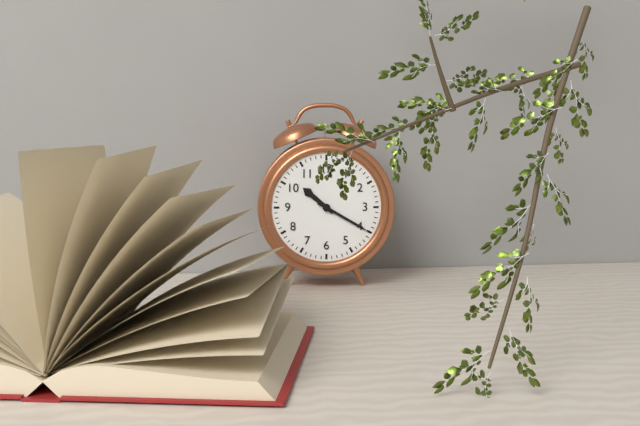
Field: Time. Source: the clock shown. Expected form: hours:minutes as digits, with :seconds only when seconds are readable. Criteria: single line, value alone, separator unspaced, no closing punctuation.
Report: 10:20
